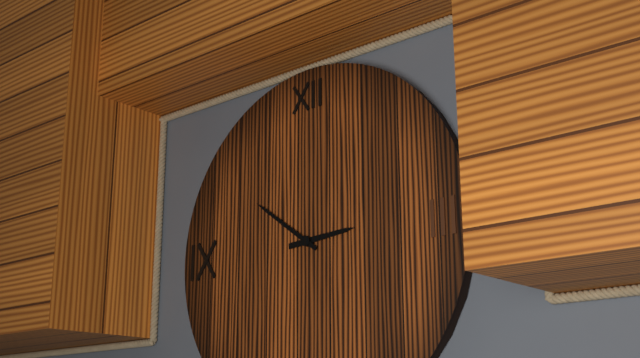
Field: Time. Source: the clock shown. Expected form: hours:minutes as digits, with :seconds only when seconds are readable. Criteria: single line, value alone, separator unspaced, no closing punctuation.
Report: 2:51
